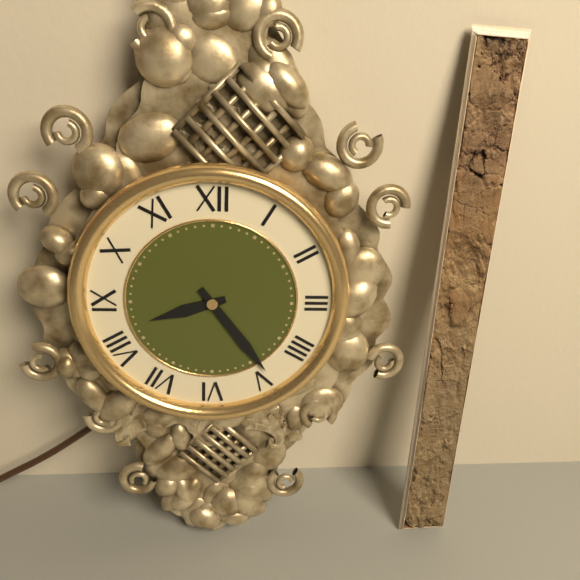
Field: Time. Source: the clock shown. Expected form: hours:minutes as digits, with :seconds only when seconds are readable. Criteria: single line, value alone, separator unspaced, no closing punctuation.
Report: 8:24
